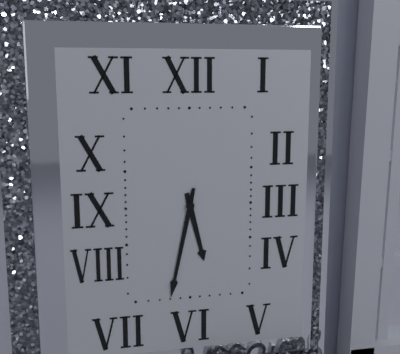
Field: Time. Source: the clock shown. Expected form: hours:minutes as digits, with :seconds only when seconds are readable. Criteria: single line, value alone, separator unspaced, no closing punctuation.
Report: 5:32
